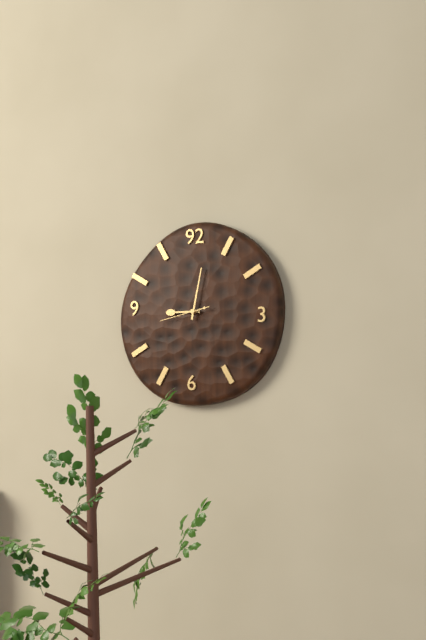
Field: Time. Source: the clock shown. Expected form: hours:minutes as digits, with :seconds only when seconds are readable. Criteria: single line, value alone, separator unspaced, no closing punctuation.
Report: 9:02:43
